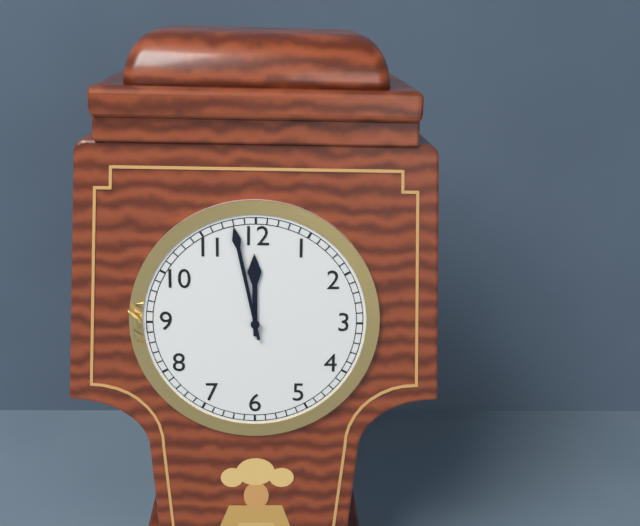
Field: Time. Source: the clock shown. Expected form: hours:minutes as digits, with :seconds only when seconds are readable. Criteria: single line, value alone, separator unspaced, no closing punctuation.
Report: 11:58
